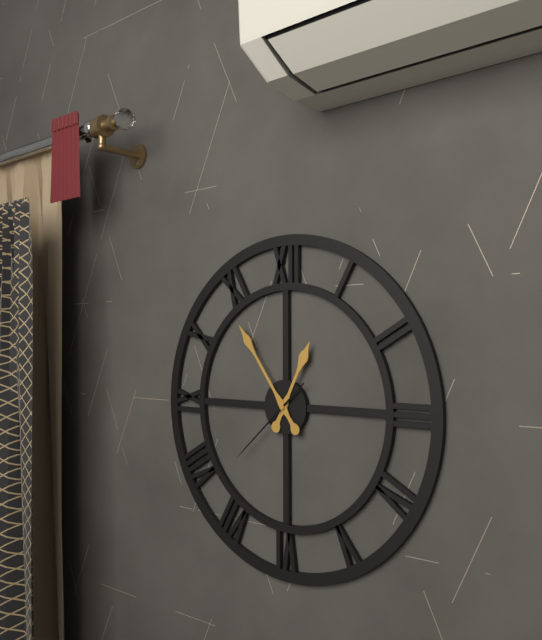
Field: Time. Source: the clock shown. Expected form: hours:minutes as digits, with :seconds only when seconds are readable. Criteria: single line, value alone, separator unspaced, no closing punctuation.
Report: 12:54:38
